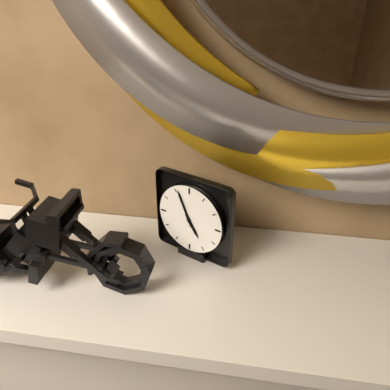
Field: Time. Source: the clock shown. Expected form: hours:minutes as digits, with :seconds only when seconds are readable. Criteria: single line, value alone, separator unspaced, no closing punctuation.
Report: 4:56
